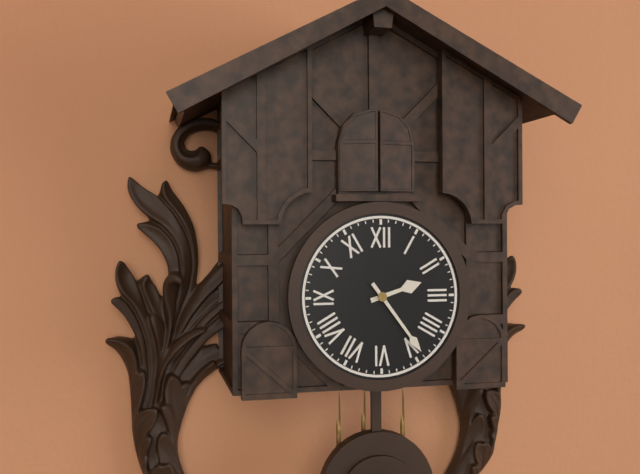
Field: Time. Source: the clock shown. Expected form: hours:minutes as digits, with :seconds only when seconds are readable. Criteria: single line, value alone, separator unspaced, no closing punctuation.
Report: 2:24
